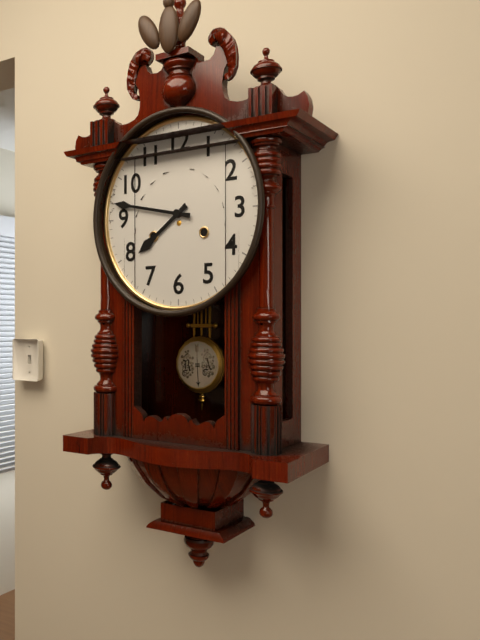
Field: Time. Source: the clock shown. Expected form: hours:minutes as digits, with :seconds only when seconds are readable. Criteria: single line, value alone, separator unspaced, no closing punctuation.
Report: 7:47
